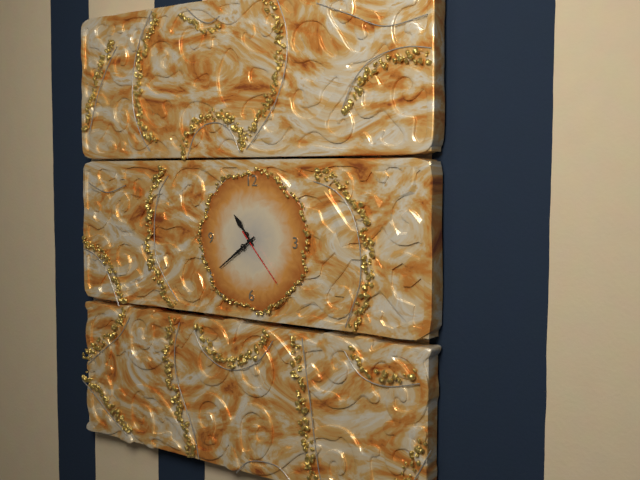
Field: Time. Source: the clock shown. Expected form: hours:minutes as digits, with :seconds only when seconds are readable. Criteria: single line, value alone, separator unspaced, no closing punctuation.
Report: 10:39:23
